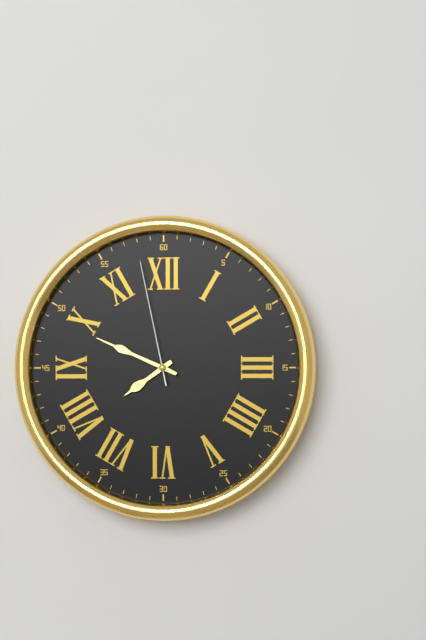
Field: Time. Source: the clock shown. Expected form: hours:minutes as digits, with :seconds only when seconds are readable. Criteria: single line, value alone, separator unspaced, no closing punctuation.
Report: 7:49:58
